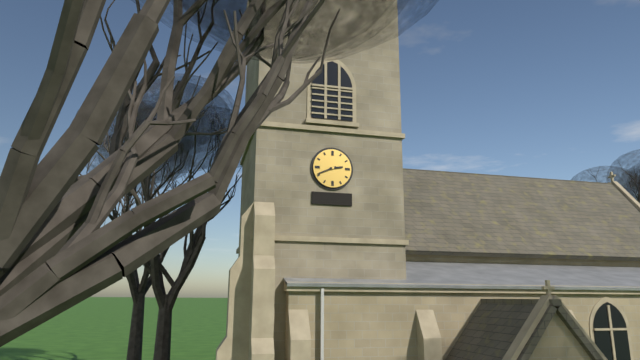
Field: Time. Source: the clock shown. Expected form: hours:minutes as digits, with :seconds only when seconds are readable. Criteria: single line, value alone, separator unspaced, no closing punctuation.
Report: 2:41
